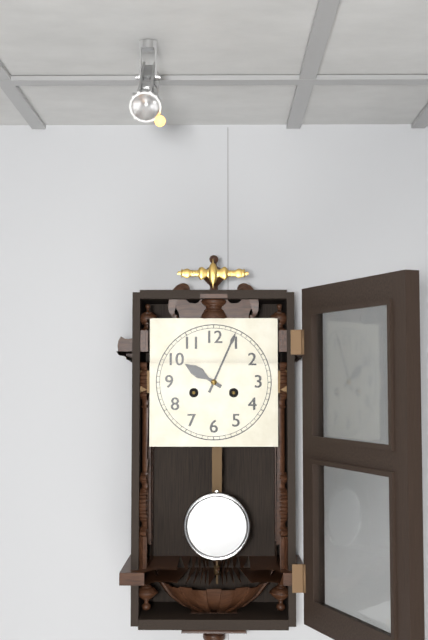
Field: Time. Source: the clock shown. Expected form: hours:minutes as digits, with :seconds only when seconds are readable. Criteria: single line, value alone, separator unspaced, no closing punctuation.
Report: 10:04
